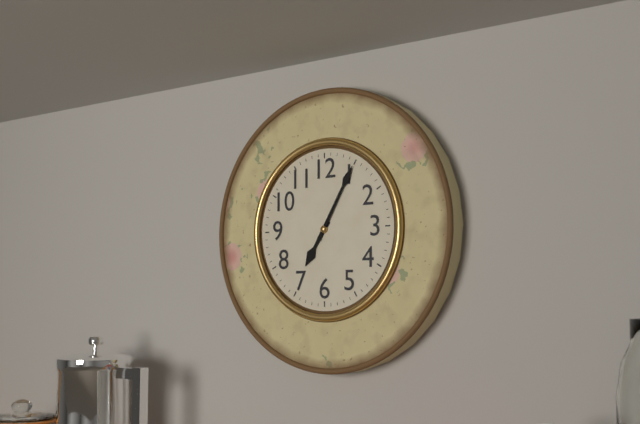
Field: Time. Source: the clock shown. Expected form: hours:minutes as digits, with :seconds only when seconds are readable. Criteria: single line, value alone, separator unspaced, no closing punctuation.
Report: 7:05
